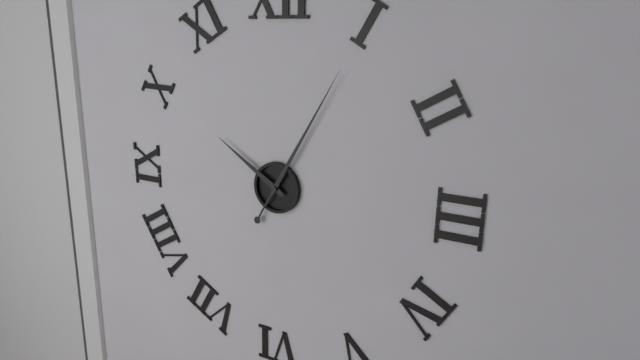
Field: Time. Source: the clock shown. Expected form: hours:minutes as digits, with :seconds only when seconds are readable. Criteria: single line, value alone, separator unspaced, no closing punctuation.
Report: 10:05
